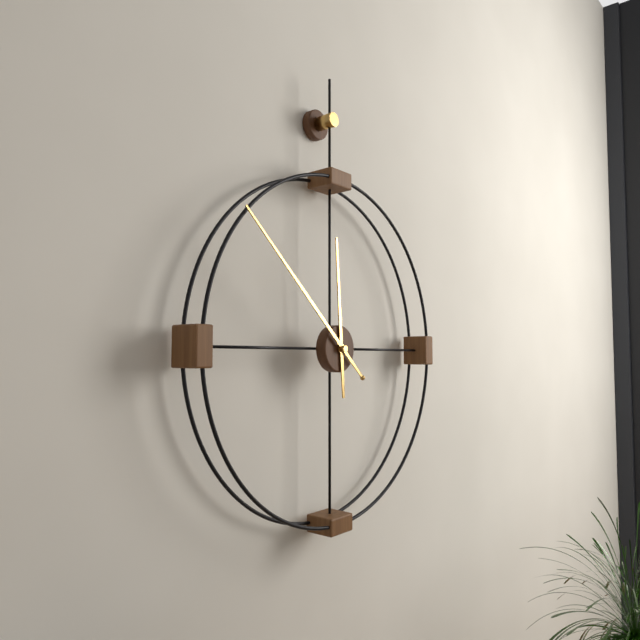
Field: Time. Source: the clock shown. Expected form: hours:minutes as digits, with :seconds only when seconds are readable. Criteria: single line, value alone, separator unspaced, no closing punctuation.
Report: 11:52
